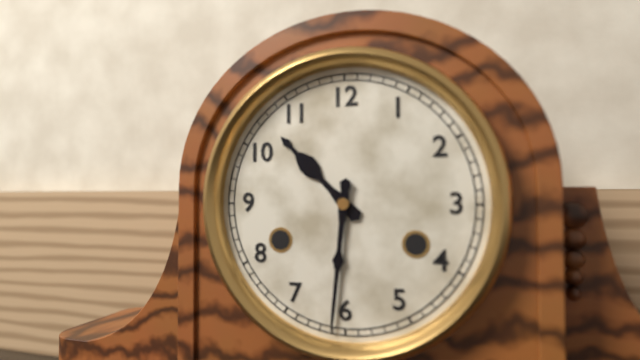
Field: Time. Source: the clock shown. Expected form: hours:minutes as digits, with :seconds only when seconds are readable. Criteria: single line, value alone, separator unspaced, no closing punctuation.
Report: 10:31
